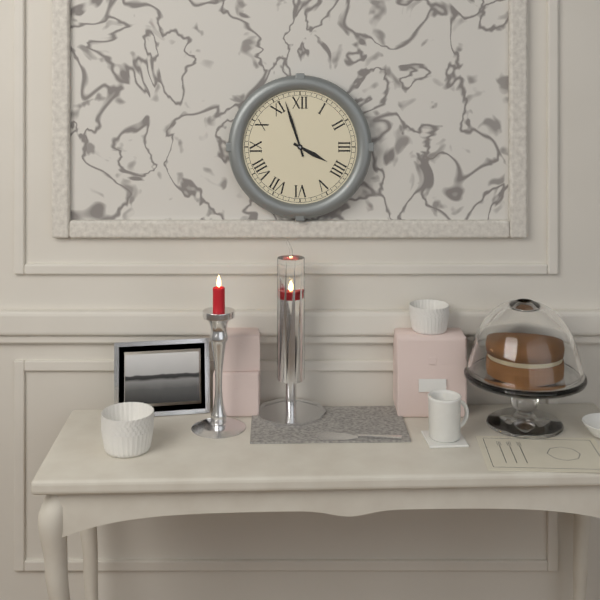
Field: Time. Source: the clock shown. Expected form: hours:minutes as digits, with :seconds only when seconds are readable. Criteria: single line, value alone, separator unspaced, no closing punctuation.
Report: 3:57
